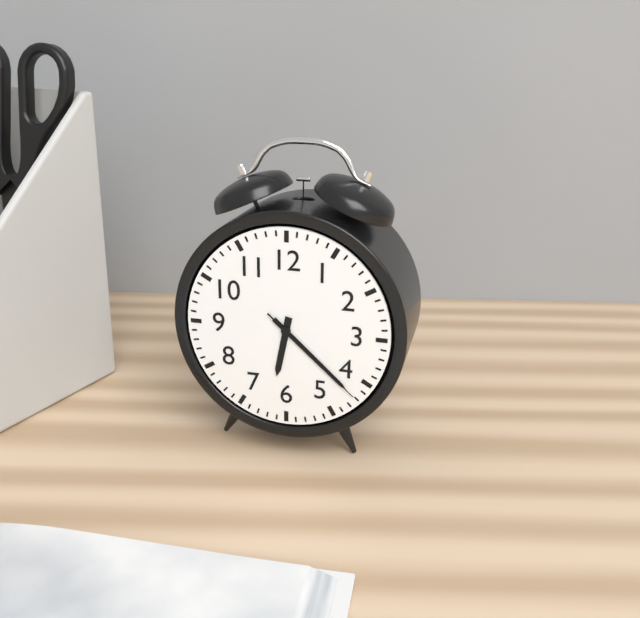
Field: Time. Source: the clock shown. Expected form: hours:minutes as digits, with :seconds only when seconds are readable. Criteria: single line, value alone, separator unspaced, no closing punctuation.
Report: 6:22:22
